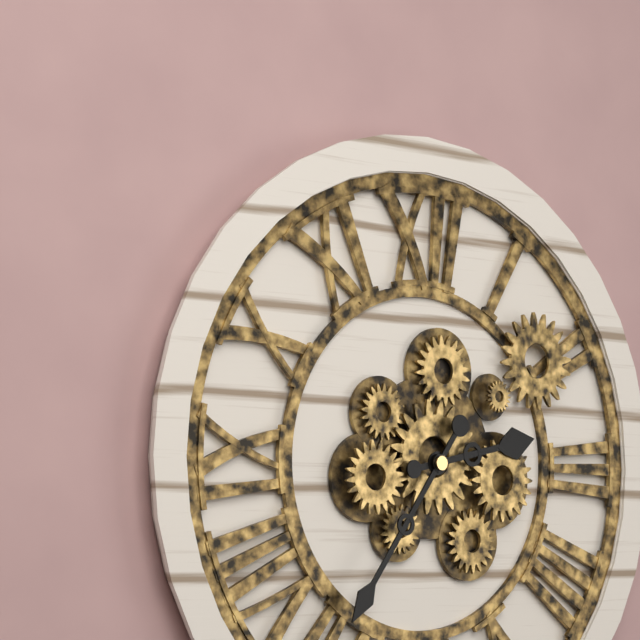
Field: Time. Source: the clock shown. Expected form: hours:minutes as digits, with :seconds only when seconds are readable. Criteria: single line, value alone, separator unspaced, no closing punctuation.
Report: 2:36
